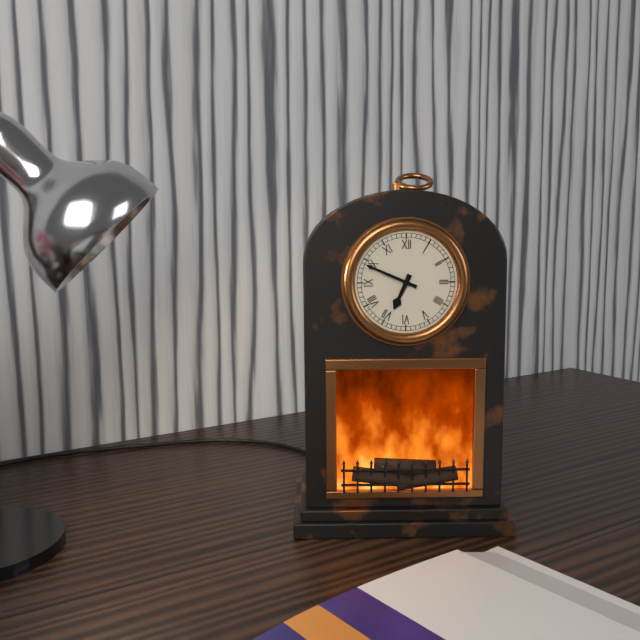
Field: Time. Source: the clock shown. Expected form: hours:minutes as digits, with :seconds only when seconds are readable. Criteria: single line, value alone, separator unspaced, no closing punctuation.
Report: 6:49
